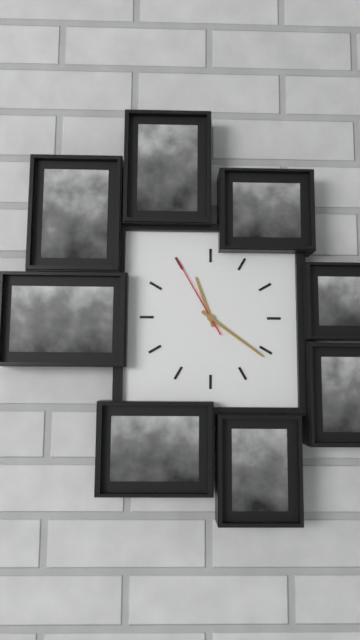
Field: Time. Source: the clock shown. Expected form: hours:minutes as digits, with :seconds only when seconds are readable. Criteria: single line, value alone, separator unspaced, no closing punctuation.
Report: 11:21:55
